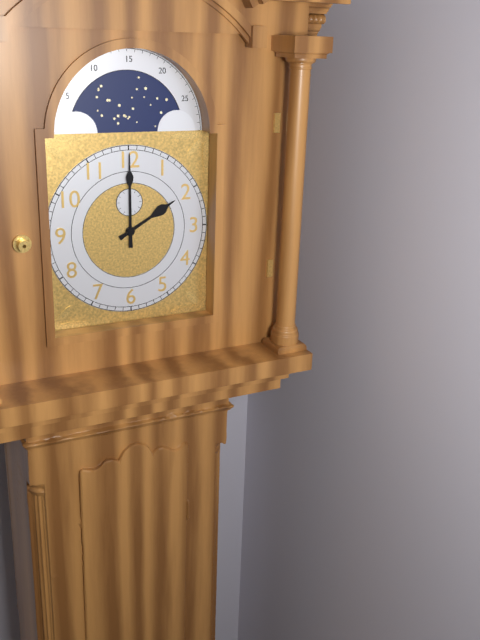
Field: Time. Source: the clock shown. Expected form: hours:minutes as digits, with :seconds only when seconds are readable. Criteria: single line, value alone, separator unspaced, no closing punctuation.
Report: 2:00
